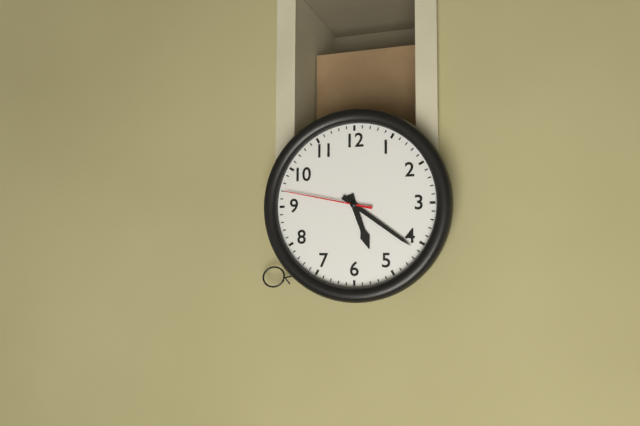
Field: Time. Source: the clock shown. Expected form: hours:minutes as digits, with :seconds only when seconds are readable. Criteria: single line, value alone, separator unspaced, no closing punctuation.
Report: 5:21:47
